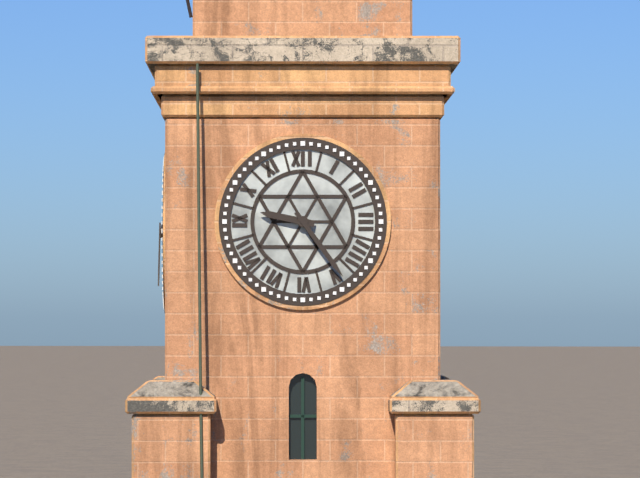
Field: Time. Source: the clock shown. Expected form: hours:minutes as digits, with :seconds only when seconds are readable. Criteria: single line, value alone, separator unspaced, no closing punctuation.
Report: 9:24
